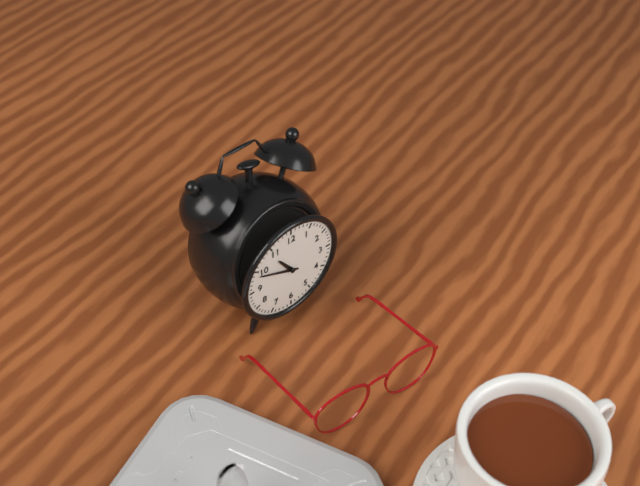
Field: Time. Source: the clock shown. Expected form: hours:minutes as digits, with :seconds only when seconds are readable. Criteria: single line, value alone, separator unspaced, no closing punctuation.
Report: 10:49
